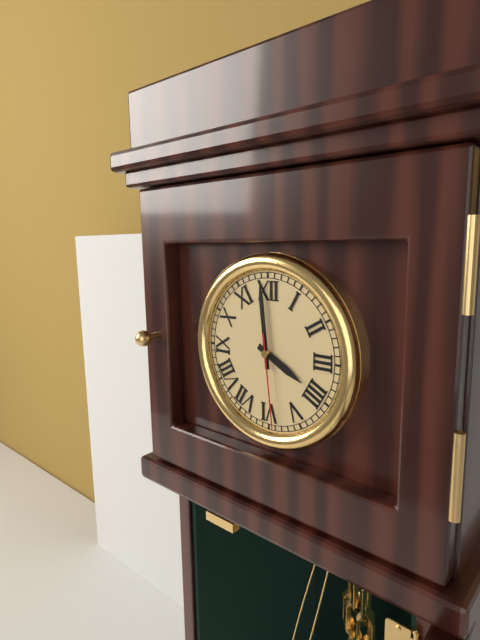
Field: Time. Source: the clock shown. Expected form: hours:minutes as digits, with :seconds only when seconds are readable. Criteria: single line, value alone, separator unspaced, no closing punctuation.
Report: 3:59:29
